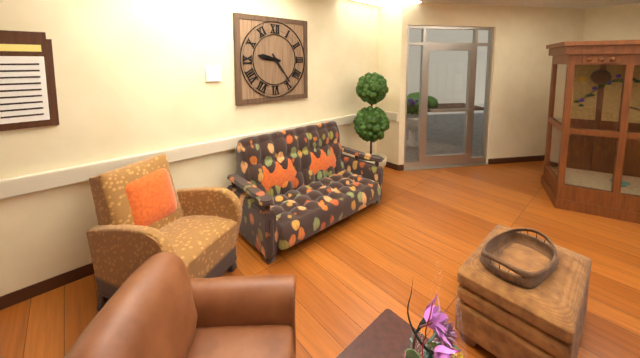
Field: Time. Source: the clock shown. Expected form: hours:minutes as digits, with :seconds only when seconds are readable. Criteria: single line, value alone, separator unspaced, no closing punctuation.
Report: 9:24
